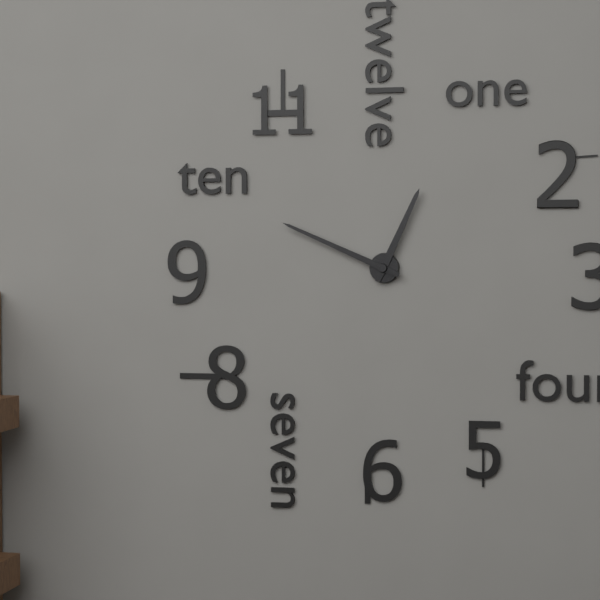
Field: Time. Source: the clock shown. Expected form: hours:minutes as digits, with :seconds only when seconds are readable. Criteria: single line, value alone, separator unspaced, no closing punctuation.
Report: 12:49
